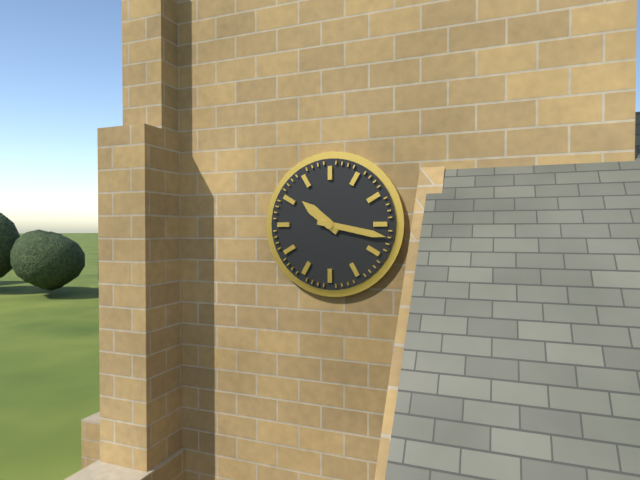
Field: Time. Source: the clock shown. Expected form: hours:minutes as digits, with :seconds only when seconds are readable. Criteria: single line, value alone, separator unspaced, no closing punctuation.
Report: 10:17
